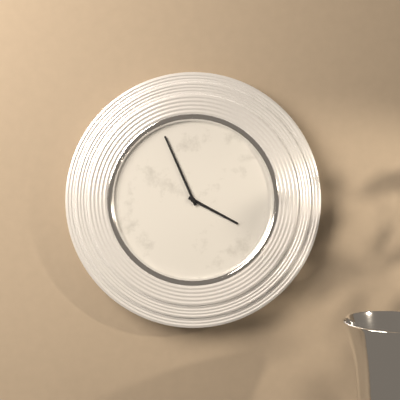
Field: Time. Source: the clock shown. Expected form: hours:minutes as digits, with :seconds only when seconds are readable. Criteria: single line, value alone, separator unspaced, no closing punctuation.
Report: 3:56
